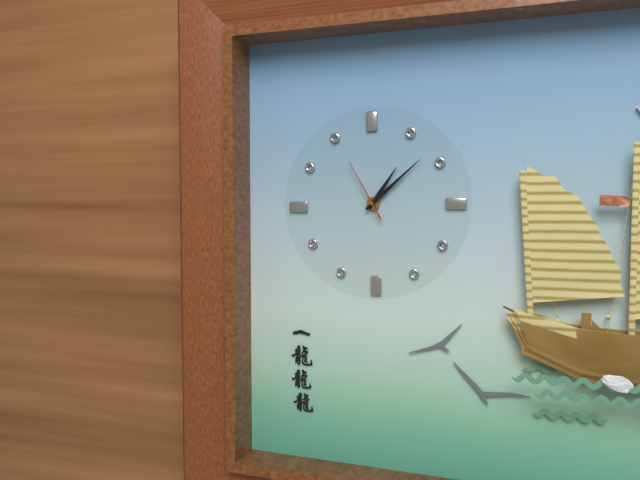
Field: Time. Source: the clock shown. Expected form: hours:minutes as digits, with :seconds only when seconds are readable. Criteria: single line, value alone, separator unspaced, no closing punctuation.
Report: 1:08:55
